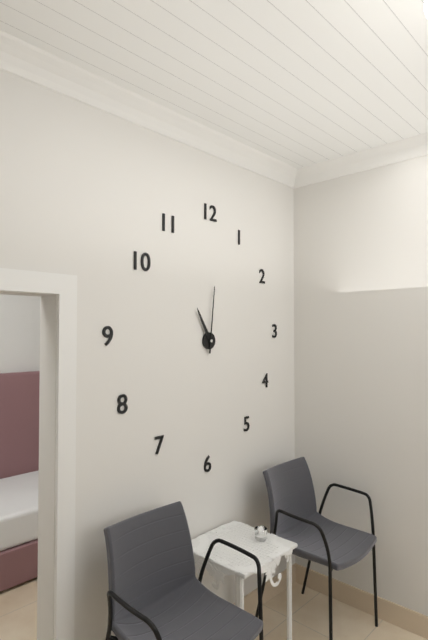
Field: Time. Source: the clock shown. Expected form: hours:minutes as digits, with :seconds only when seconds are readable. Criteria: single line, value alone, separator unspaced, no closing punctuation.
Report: 11:01
